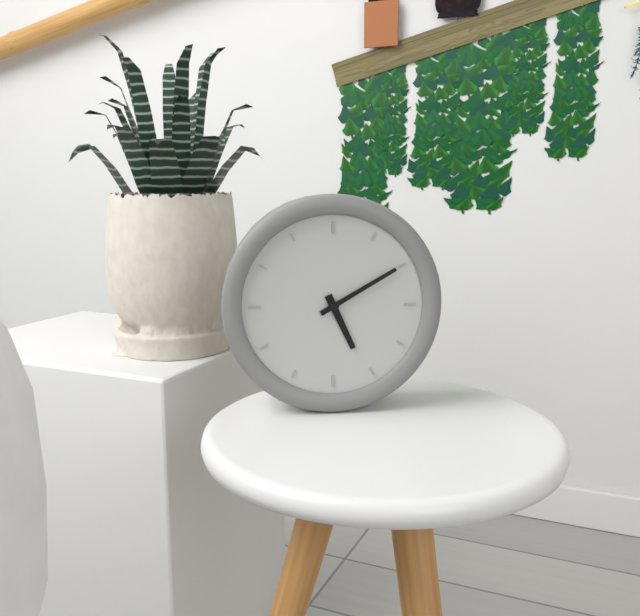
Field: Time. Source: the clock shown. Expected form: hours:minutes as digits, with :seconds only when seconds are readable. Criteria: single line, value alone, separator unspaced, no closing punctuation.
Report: 5:10
